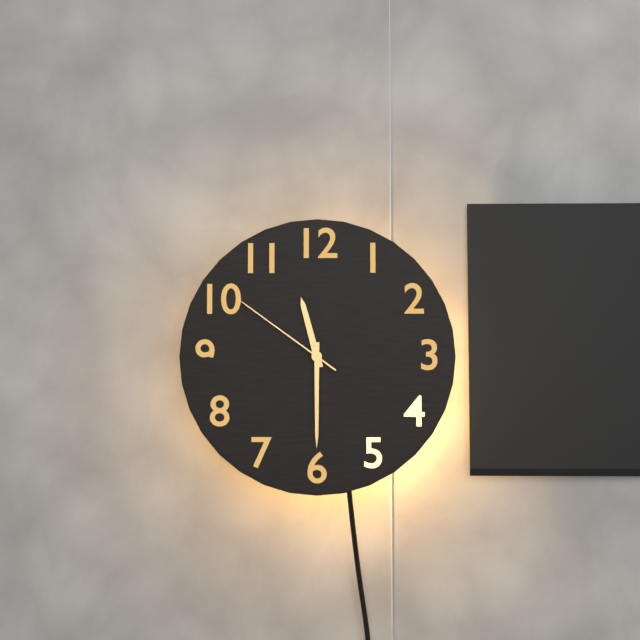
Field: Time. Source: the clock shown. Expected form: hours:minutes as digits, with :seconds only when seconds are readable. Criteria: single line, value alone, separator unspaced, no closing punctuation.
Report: 11:30:51
